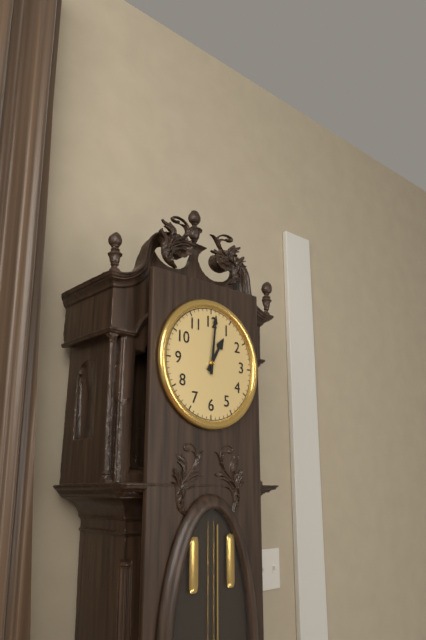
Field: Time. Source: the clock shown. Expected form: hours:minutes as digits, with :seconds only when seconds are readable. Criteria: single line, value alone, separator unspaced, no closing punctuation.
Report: 1:01
